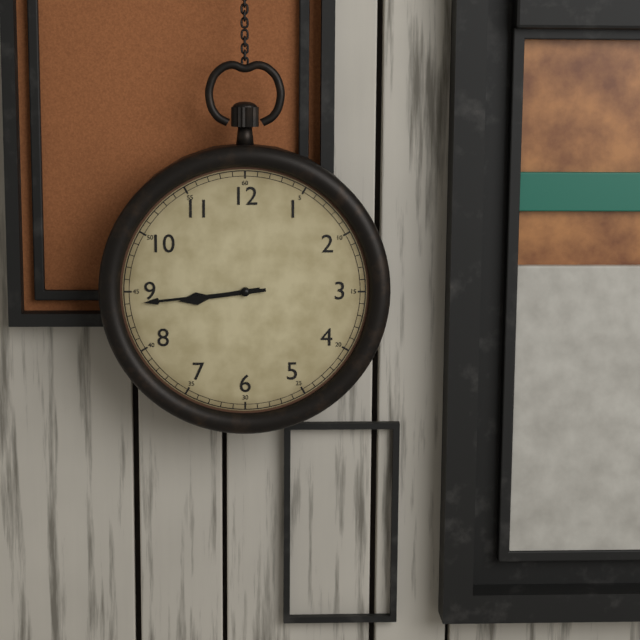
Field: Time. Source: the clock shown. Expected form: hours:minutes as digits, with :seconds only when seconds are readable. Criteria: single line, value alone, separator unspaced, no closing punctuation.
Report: 8:44
